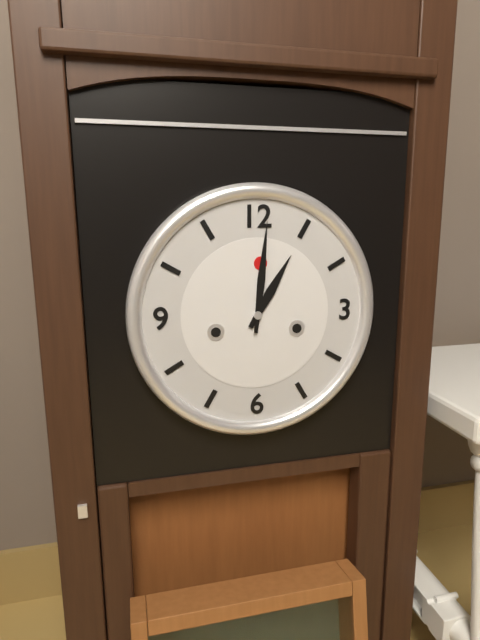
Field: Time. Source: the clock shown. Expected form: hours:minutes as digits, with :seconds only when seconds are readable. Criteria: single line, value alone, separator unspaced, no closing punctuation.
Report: 1:01
